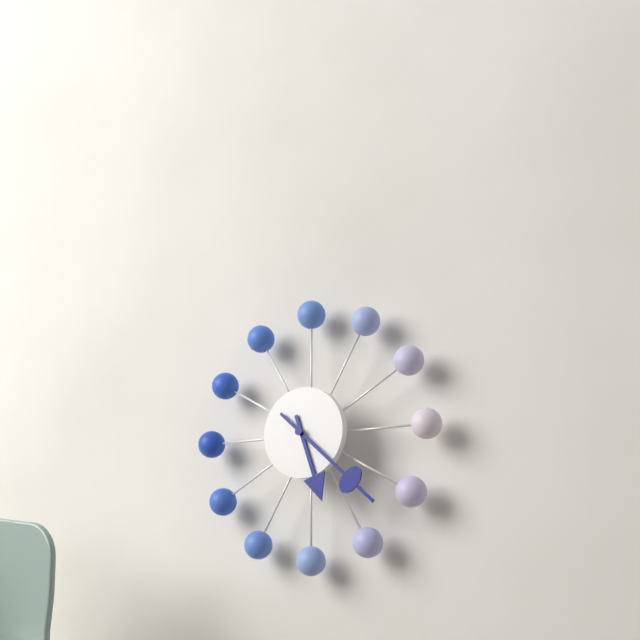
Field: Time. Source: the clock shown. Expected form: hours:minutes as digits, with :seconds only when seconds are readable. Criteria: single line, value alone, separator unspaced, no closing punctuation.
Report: 5:22
